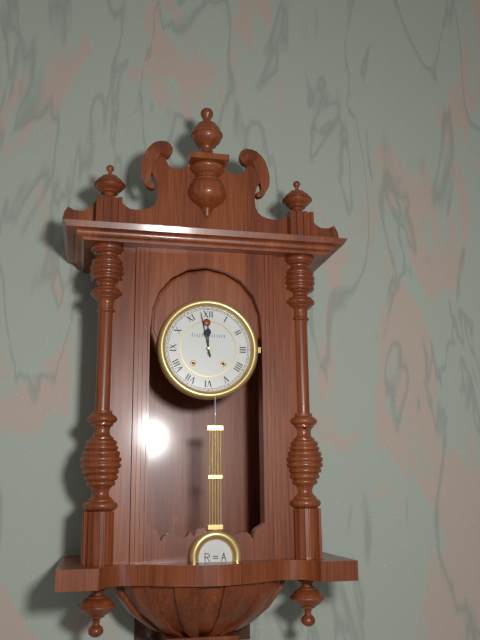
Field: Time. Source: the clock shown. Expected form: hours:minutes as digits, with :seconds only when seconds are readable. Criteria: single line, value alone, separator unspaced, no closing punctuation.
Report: 11:58
